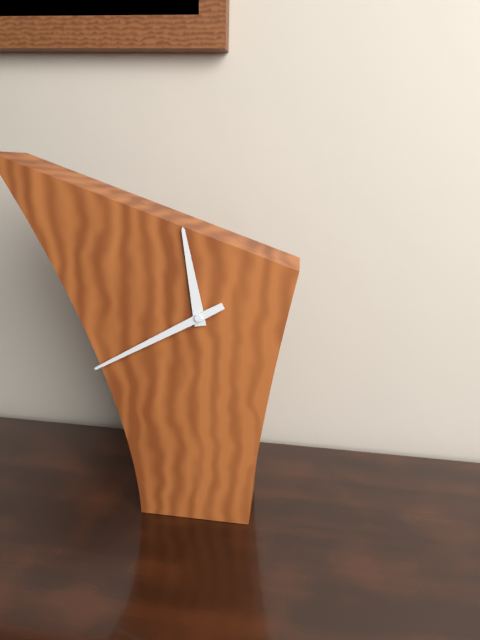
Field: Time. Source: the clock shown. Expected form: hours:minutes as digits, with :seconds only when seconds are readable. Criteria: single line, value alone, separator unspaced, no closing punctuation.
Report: 11:40
